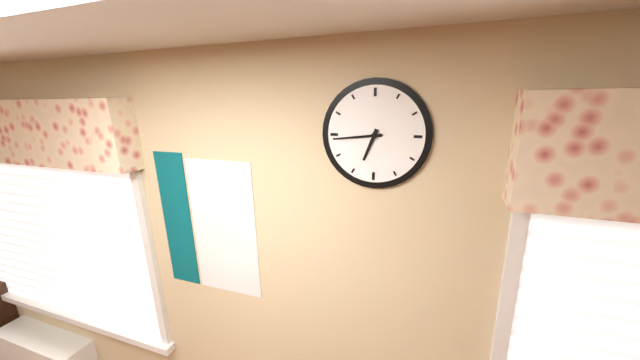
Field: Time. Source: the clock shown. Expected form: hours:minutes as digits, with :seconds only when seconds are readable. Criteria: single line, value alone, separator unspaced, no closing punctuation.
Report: 6:44
